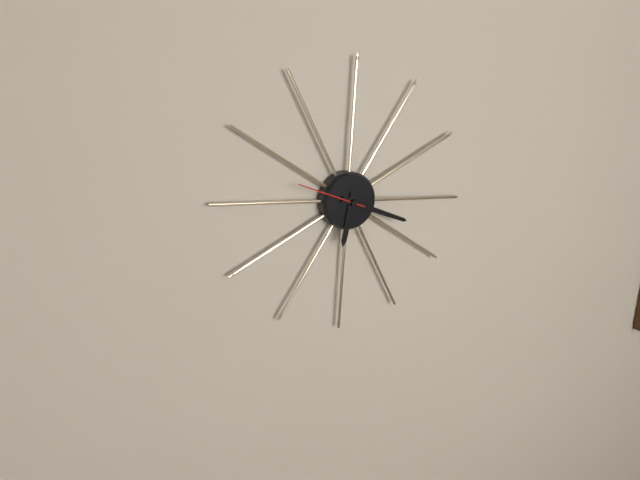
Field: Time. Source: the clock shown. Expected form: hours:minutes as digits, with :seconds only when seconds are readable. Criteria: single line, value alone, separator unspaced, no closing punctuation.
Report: 6:18:48
